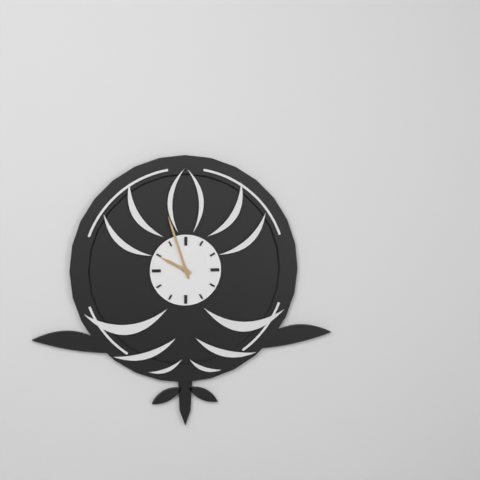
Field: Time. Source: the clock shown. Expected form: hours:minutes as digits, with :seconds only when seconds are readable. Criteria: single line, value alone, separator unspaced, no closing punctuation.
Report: 9:57
